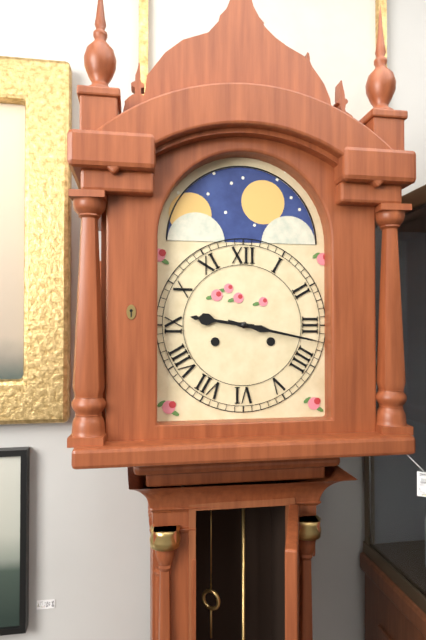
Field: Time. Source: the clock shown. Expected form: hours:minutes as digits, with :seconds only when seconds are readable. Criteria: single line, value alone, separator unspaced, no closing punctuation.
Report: 9:17
